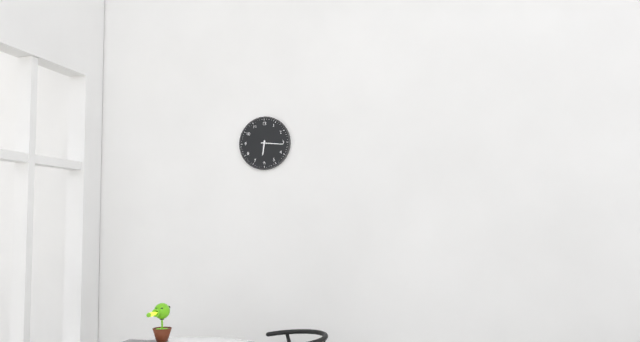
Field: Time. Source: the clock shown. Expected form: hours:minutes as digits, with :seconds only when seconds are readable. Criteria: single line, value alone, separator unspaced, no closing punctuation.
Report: 6:16
